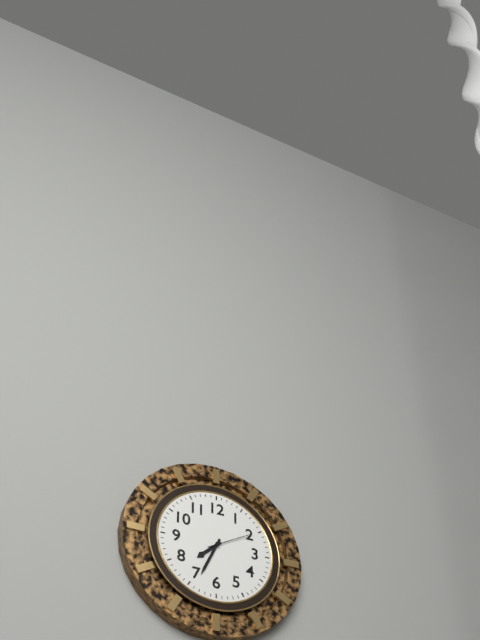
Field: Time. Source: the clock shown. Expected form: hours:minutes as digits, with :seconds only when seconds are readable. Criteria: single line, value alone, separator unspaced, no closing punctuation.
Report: 7:34
